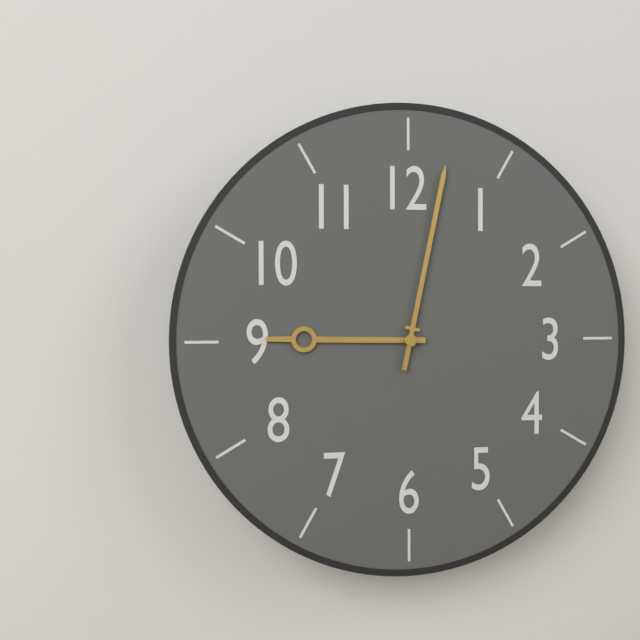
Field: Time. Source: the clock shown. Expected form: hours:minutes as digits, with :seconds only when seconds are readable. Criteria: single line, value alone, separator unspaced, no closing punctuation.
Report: 9:02
